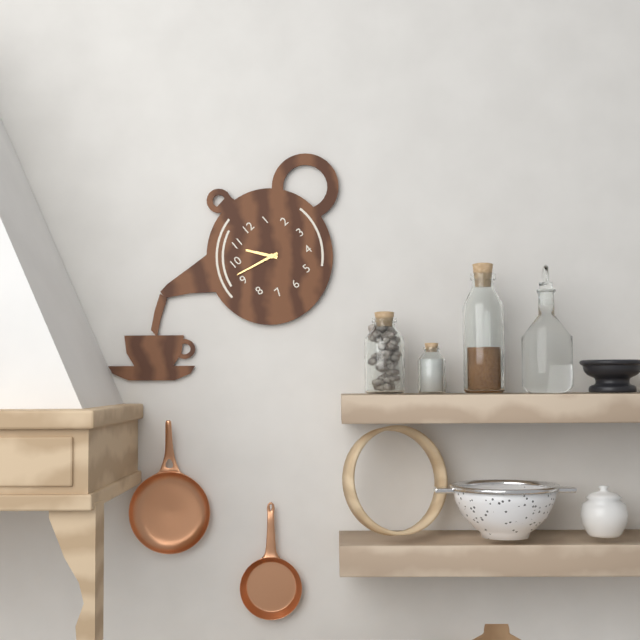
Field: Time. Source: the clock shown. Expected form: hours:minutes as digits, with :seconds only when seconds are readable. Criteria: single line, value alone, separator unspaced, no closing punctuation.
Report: 10:47
